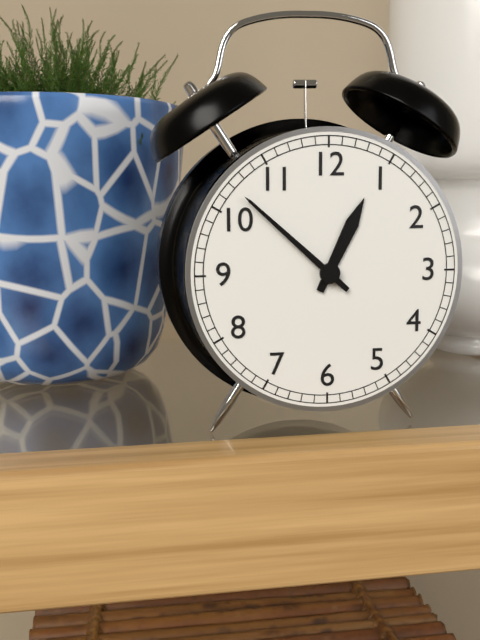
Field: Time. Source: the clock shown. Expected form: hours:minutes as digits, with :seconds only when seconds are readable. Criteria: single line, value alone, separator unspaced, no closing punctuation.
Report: 12:52
